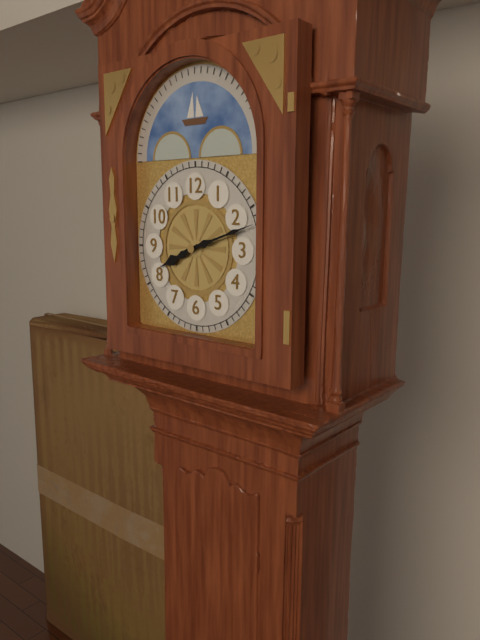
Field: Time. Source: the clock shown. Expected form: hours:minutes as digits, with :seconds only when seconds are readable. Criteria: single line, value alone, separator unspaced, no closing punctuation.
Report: 8:12
